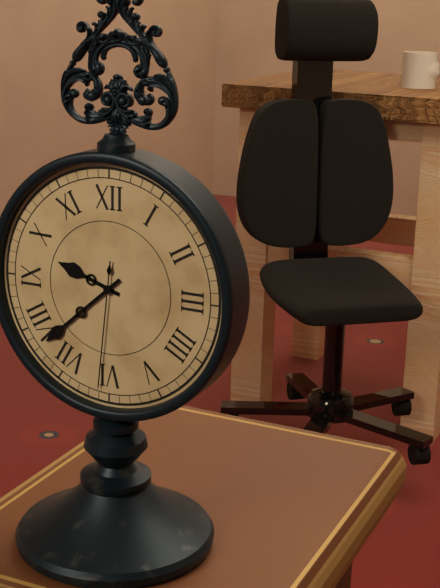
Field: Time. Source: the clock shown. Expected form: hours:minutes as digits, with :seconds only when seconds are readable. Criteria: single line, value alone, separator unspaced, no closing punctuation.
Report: 9:38:31
